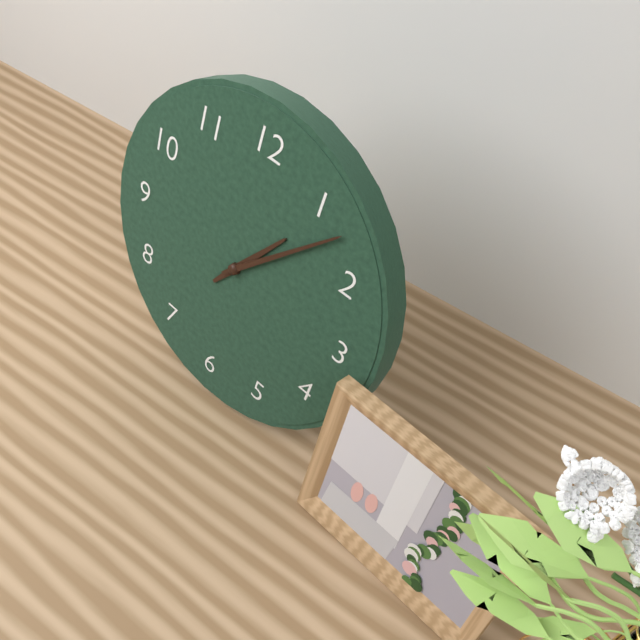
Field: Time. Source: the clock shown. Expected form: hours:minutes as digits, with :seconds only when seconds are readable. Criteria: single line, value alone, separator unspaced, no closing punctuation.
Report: 1:07
